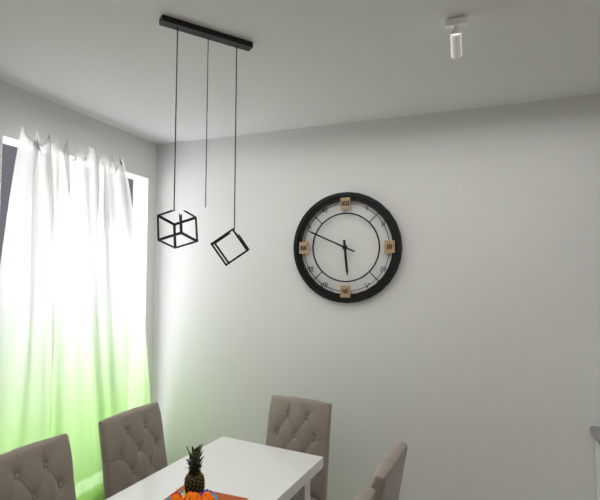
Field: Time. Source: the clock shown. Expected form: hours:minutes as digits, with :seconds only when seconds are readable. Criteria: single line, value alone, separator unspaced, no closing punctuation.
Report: 5:49
